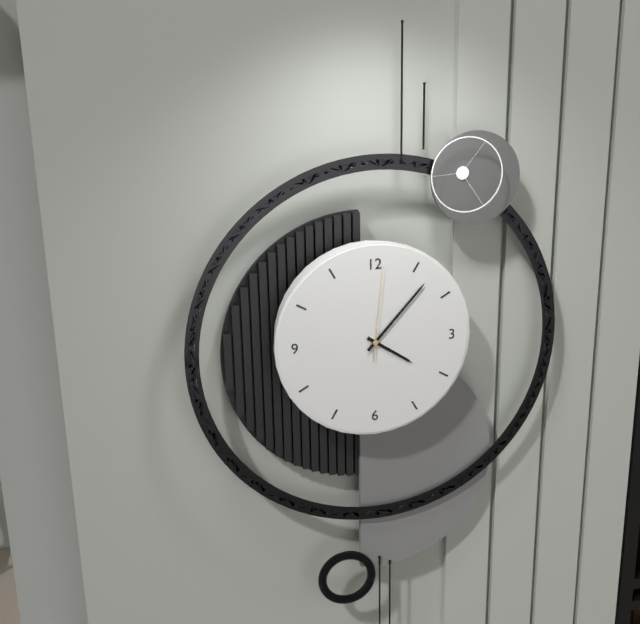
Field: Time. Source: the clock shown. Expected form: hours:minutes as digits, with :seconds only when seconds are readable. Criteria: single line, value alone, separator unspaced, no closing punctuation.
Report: 4:07:01
